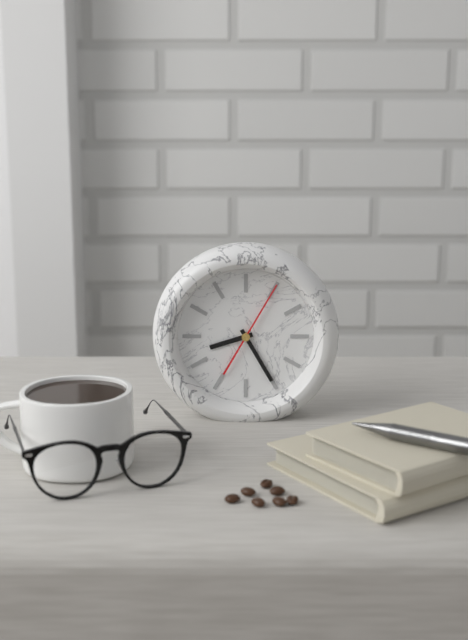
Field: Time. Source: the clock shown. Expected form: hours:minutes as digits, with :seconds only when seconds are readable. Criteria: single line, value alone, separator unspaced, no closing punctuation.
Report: 8:25:05
